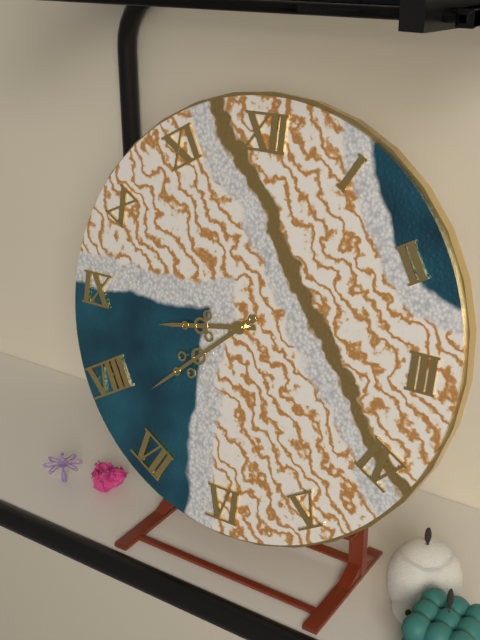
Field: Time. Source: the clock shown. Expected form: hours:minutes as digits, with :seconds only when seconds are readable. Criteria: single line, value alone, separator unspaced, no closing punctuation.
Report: 8:38
